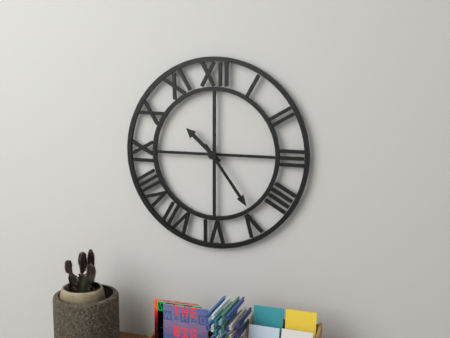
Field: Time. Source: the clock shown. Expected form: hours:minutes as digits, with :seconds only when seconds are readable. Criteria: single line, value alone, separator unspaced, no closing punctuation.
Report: 10:24
